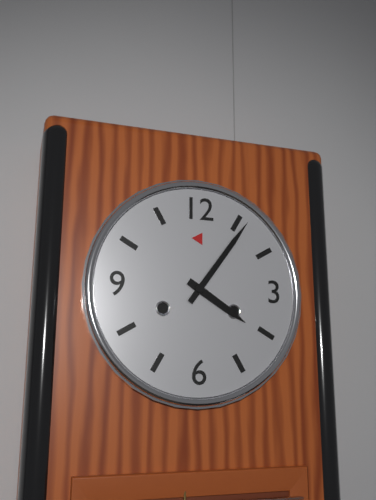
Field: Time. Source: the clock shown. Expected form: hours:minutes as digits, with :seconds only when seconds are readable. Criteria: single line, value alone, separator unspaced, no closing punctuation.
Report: 4:06
